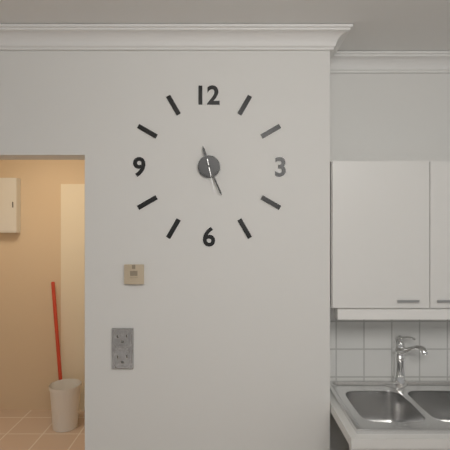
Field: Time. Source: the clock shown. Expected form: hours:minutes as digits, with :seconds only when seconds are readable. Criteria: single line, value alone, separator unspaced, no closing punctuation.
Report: 11:26
